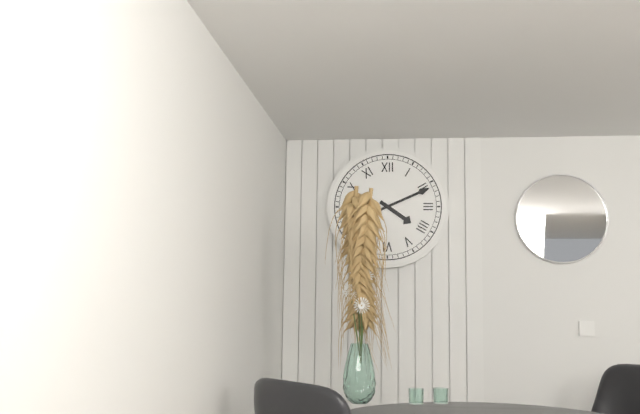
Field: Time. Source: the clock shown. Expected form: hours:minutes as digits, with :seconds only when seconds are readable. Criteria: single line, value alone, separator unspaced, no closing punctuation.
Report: 4:11
